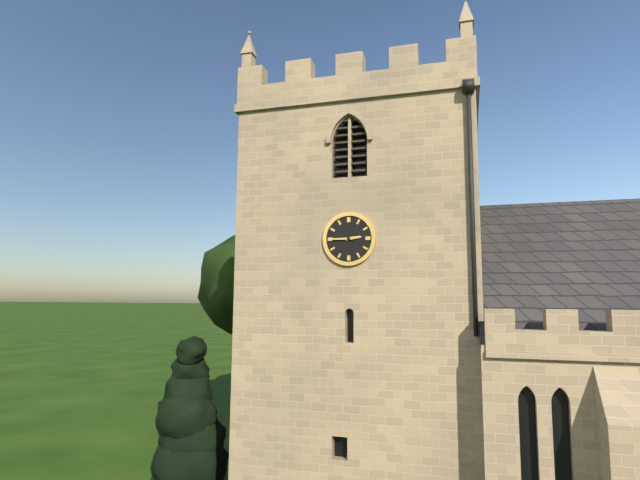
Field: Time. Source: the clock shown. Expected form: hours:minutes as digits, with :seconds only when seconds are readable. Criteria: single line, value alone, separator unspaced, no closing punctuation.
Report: 2:45
